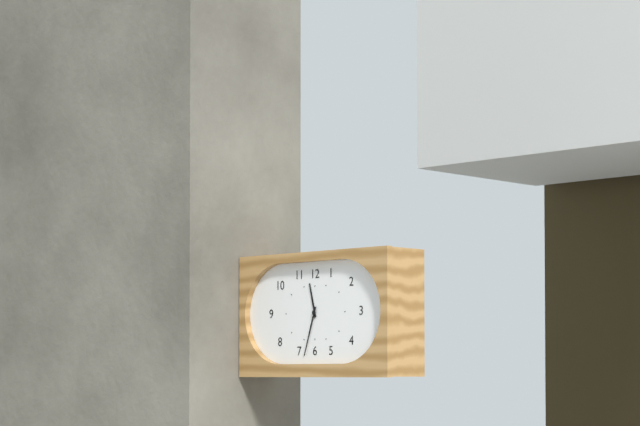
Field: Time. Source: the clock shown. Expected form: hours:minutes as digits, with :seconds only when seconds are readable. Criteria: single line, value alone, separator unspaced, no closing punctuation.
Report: 11:33
